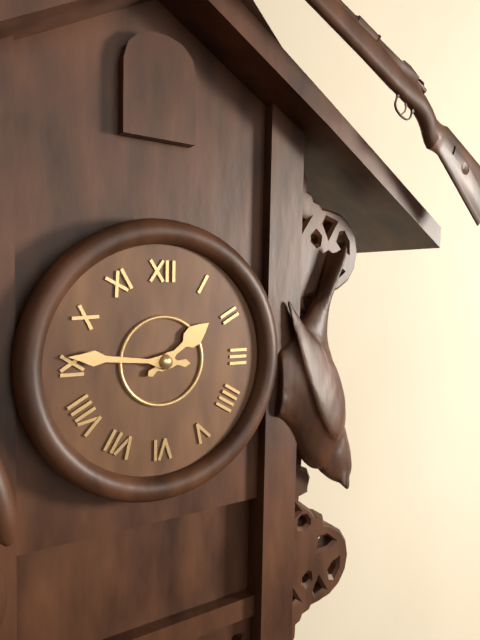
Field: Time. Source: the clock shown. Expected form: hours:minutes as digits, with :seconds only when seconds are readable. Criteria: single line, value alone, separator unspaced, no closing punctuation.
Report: 1:46
